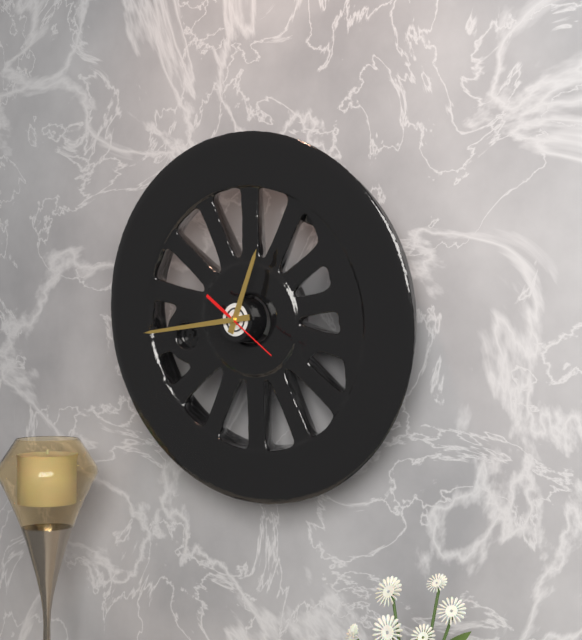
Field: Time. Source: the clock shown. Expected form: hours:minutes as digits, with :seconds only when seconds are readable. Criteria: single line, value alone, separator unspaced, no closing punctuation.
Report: 12:44:21
